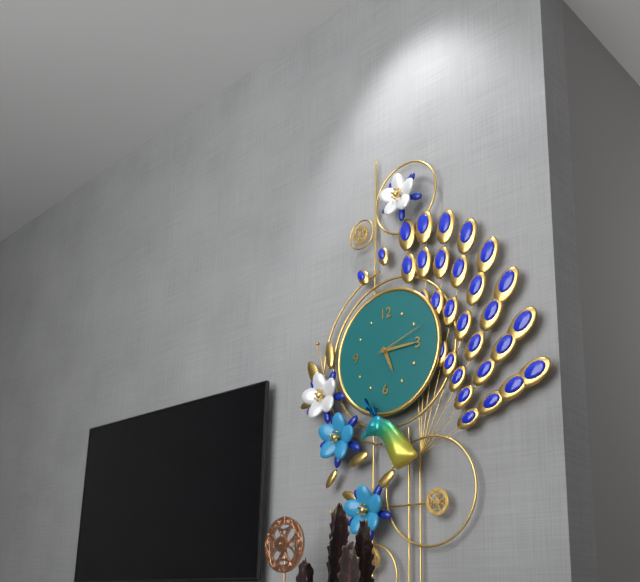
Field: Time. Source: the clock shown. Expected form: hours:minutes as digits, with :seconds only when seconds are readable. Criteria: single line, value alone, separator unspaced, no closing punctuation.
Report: 5:15:12
